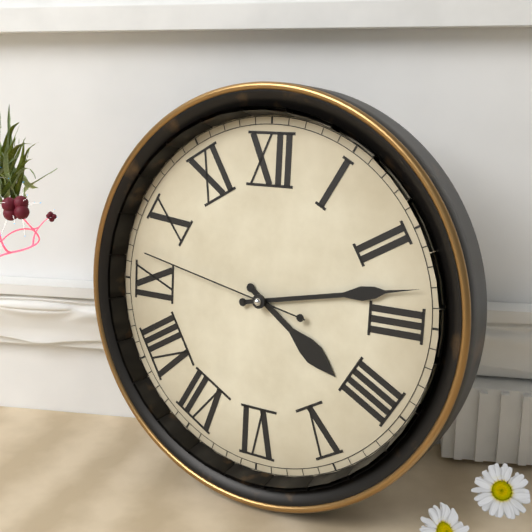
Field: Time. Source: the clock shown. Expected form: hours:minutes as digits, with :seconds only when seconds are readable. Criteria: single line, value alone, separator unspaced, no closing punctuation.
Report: 4:13:47
